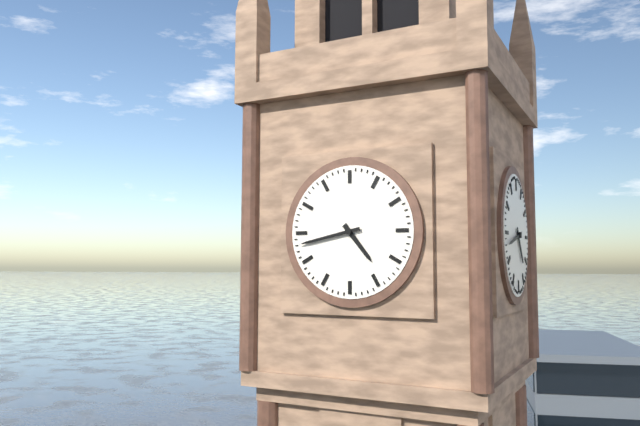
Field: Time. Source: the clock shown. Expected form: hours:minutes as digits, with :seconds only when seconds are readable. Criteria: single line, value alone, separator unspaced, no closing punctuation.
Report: 4:43
